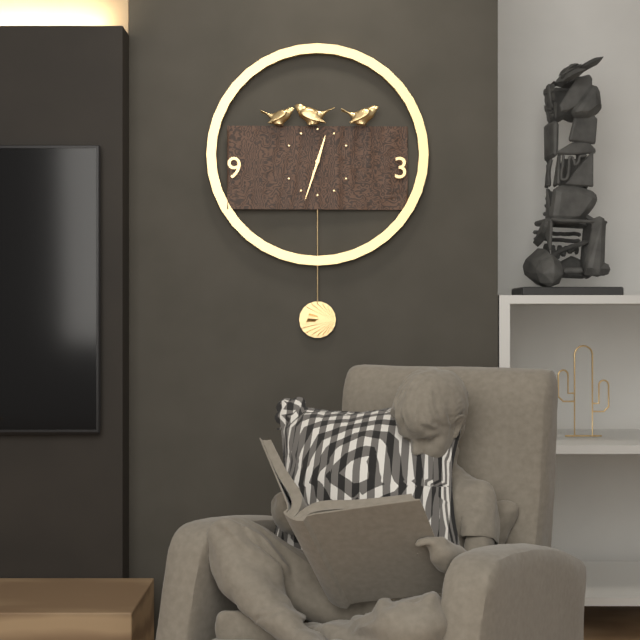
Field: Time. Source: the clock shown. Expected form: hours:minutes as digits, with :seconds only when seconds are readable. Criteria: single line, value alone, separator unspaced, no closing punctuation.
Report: 12:33
